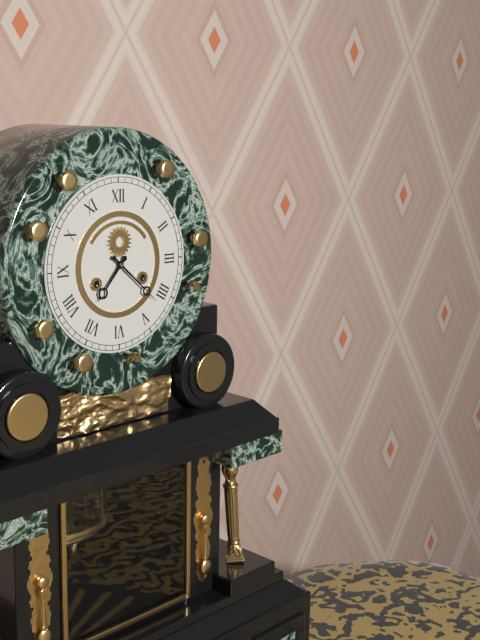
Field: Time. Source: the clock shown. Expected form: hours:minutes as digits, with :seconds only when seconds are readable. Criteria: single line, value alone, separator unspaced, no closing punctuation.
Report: 7:22
